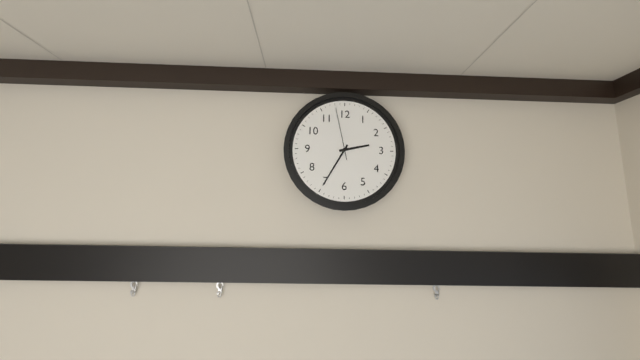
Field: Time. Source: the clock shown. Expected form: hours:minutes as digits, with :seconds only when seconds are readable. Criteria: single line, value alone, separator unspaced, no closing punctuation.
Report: 2:35:58
